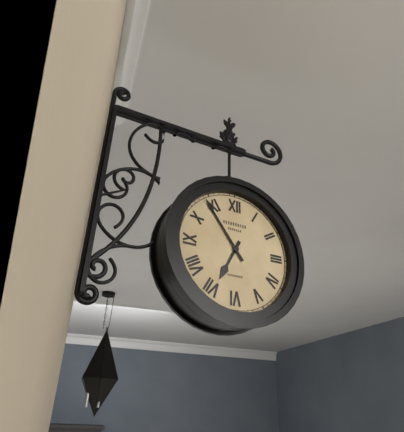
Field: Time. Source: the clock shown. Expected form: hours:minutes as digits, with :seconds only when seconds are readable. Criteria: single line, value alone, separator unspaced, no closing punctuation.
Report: 6:54
